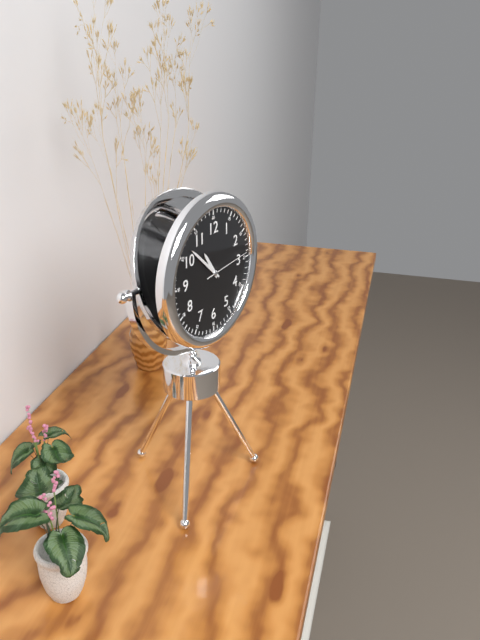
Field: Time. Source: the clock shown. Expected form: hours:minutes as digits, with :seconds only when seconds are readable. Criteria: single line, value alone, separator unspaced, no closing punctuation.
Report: 10:52
